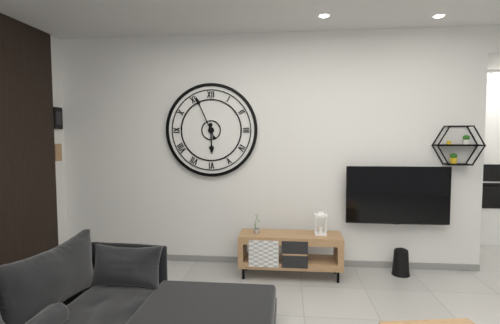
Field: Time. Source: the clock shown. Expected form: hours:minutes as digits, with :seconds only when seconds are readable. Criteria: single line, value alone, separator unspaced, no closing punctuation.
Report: 5:56
